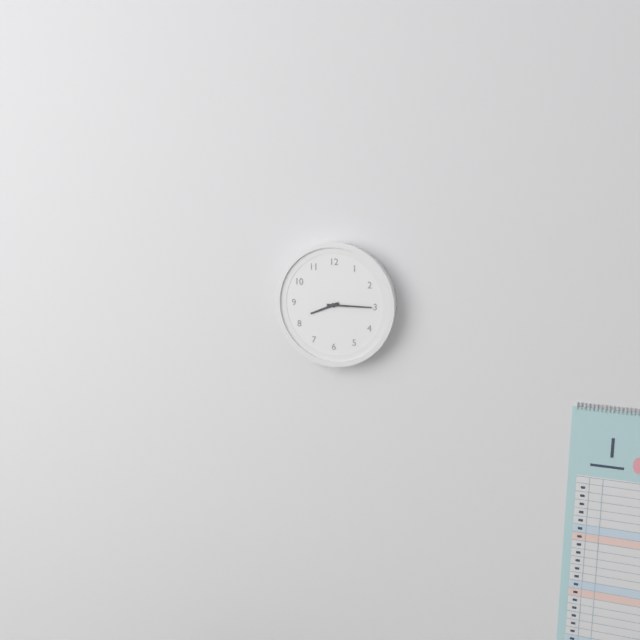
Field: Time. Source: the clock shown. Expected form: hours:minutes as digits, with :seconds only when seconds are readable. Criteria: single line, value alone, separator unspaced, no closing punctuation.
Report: 8:15
